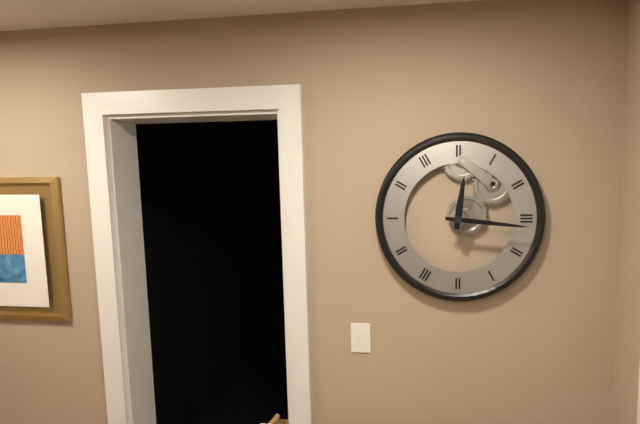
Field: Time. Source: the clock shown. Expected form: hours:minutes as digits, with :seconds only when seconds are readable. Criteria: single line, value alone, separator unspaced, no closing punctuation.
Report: 12:16
